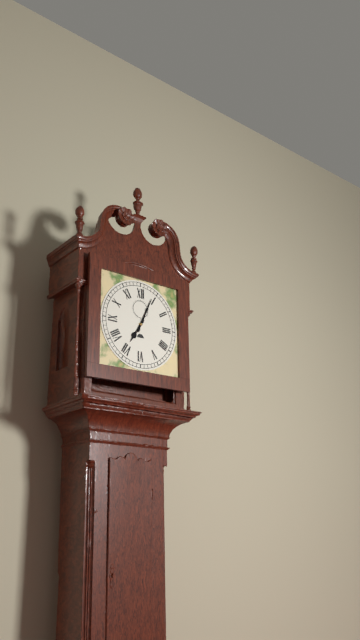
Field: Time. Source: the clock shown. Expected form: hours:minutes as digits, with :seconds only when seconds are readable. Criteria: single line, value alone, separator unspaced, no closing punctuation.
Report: 7:04
